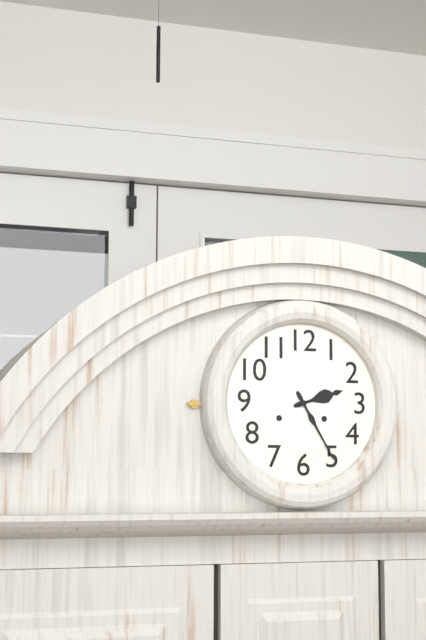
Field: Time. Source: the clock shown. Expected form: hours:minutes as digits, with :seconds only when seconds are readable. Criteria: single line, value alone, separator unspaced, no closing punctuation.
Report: 2:25
